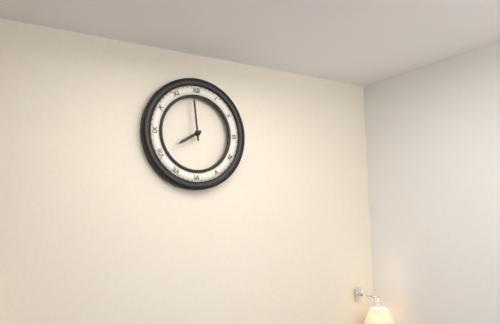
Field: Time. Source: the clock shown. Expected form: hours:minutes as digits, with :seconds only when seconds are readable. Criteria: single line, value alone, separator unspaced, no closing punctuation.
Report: 7:59
